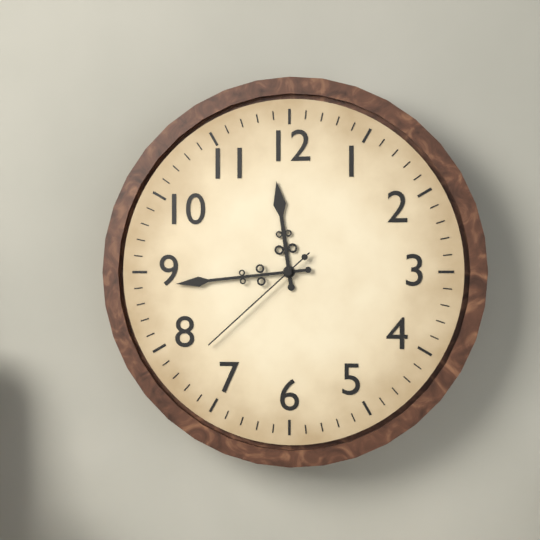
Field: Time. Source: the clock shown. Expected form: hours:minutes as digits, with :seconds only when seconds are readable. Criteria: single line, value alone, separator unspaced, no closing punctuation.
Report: 11:44:38
